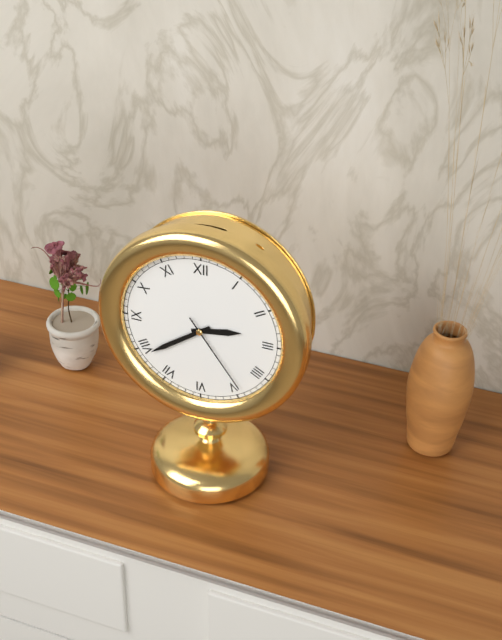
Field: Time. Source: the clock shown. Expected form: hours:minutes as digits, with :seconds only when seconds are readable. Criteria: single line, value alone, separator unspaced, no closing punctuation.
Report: 2:39:24
